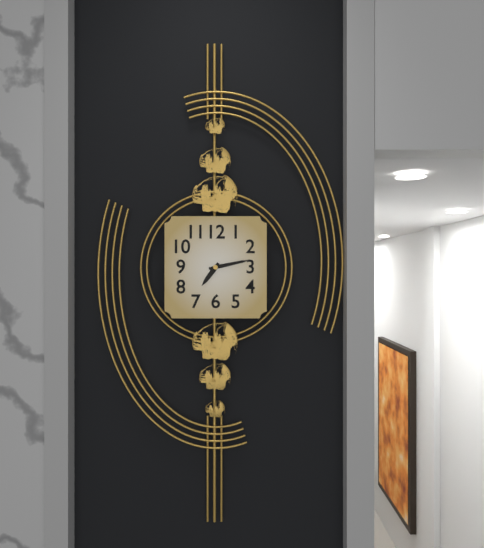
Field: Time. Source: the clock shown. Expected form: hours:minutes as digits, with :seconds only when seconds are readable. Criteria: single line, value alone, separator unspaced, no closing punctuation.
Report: 7:13
